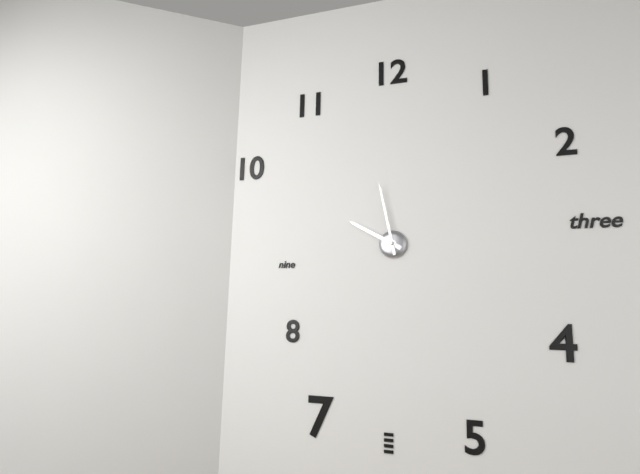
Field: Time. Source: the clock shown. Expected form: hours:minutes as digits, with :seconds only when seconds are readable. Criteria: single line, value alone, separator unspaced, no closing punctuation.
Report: 9:58
